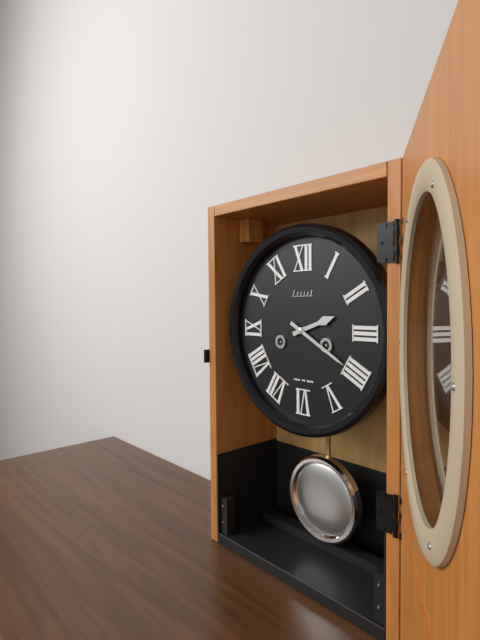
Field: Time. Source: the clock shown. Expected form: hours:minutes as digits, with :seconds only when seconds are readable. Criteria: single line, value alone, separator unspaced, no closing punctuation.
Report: 2:20
